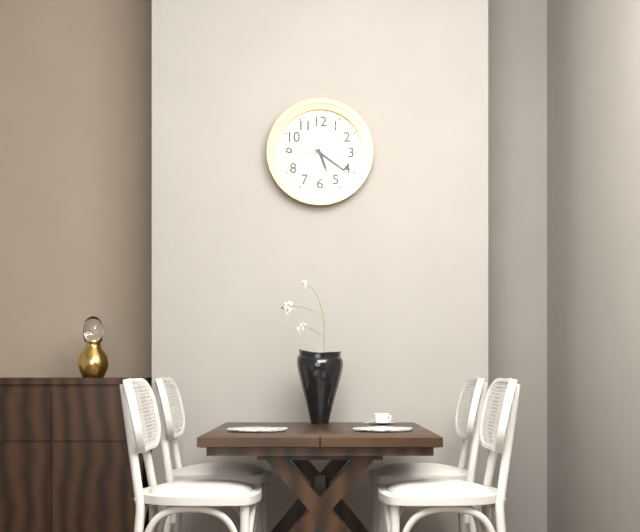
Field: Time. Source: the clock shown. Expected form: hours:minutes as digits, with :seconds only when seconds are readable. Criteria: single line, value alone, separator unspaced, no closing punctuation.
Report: 5:21
